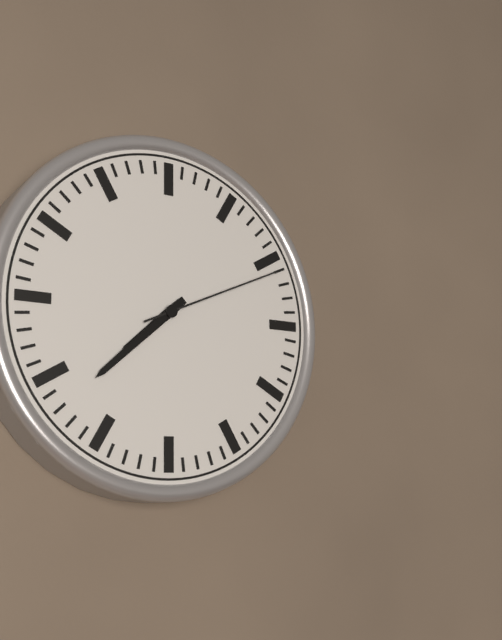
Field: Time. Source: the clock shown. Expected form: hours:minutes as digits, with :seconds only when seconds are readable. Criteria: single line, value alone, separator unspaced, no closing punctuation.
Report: 7:38:11
